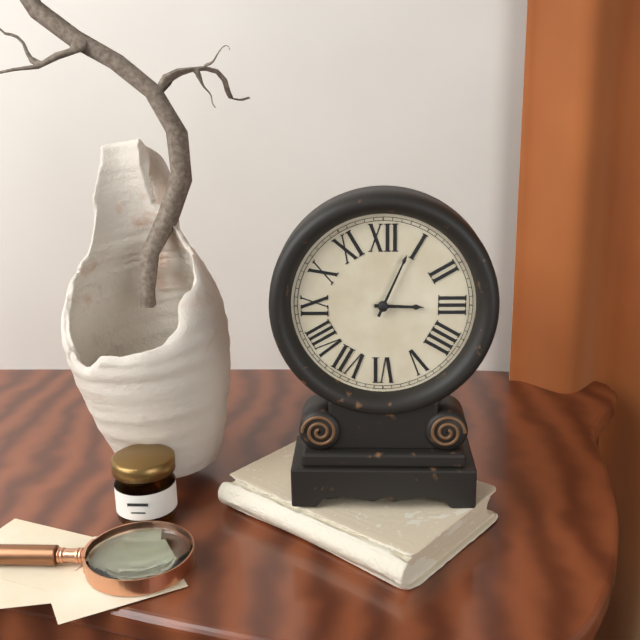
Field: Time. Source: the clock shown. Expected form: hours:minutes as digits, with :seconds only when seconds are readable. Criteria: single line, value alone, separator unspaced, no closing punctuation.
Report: 3:04
